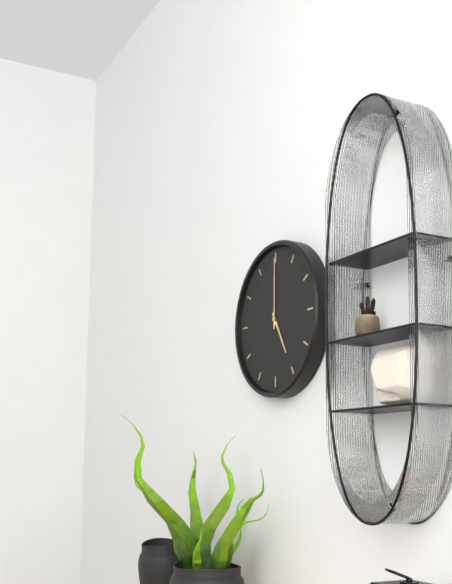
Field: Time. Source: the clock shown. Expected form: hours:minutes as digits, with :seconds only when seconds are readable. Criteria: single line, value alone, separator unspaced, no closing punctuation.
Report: 5:00
